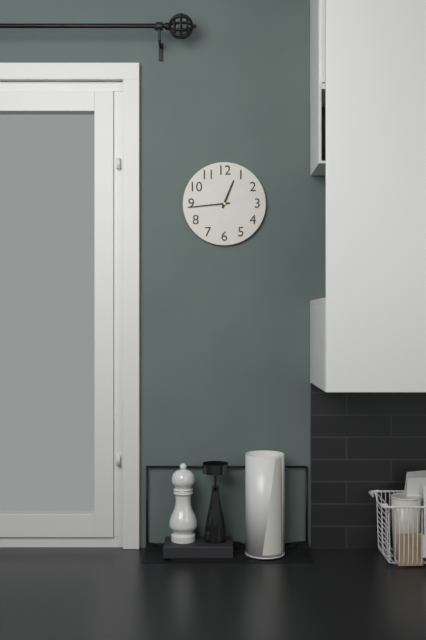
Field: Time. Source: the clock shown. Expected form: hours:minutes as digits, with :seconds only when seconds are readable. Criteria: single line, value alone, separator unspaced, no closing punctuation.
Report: 12:44
